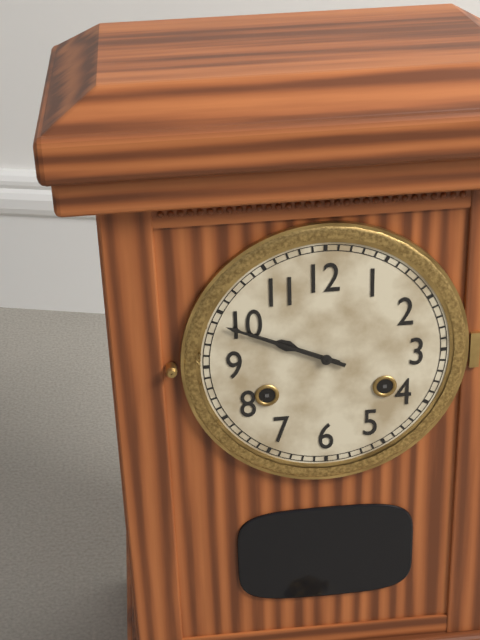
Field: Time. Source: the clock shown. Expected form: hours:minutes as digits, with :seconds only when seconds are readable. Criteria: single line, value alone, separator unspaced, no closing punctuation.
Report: 9:49
